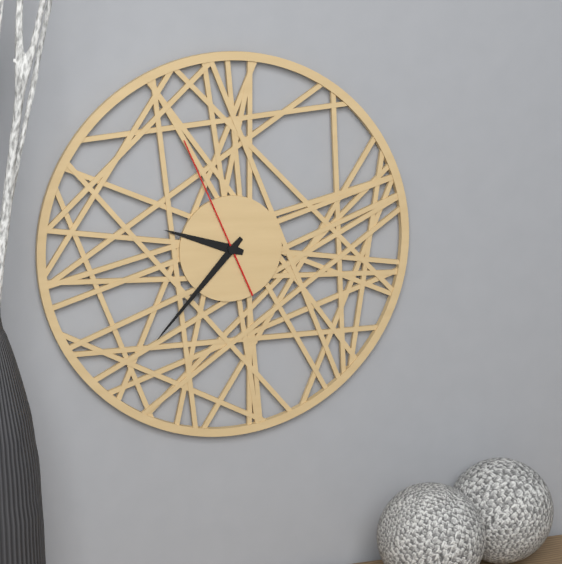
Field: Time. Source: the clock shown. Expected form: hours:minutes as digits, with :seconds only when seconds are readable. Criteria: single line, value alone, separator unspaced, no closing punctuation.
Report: 9:37:56
